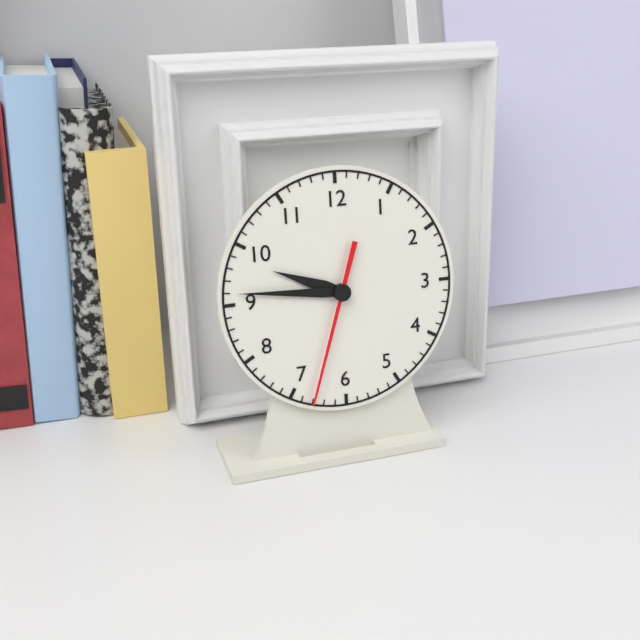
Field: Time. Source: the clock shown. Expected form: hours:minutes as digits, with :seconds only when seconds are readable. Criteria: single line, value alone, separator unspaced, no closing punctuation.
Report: 9:46:33
